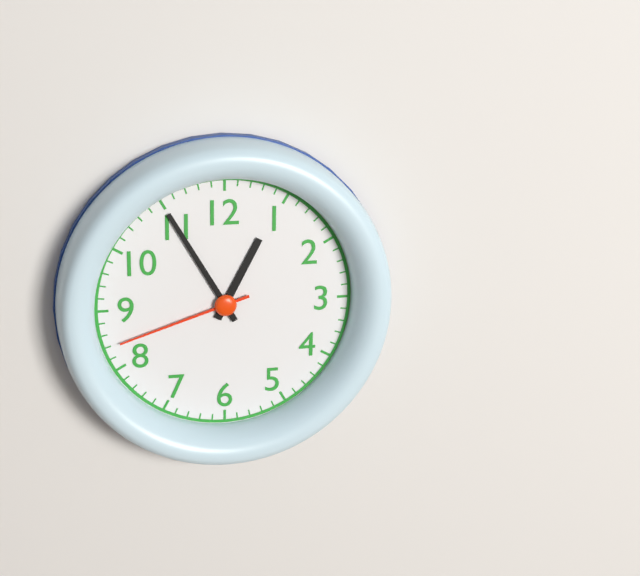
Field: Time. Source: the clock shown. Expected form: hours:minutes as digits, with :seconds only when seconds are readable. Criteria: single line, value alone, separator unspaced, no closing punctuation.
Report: 12:55:42
